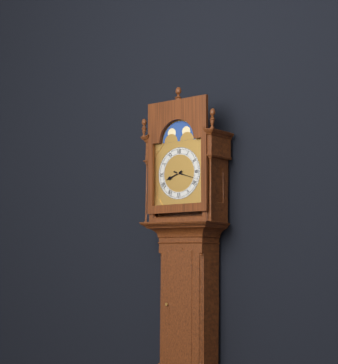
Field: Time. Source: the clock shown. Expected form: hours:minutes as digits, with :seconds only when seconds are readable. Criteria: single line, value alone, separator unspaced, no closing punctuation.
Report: 8:18
